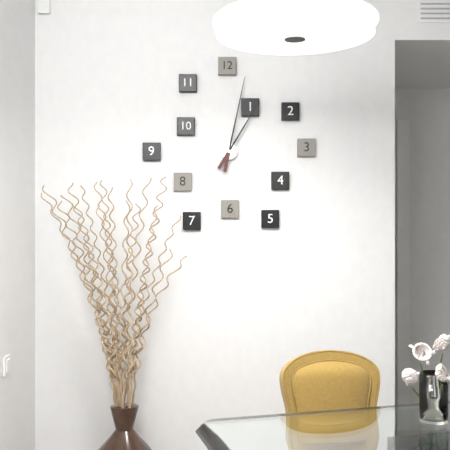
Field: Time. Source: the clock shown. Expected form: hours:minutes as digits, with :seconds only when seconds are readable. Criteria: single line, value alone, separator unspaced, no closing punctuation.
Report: 1:02
